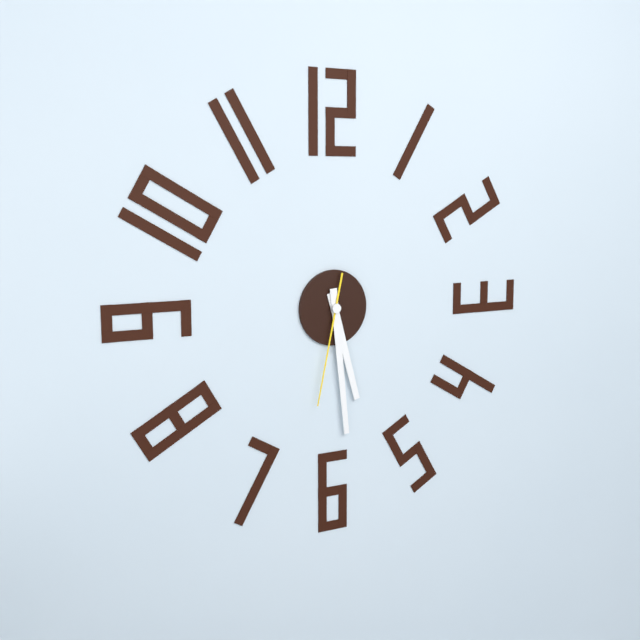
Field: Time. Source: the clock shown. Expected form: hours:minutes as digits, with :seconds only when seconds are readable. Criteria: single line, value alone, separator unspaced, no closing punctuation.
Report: 5:29:32
